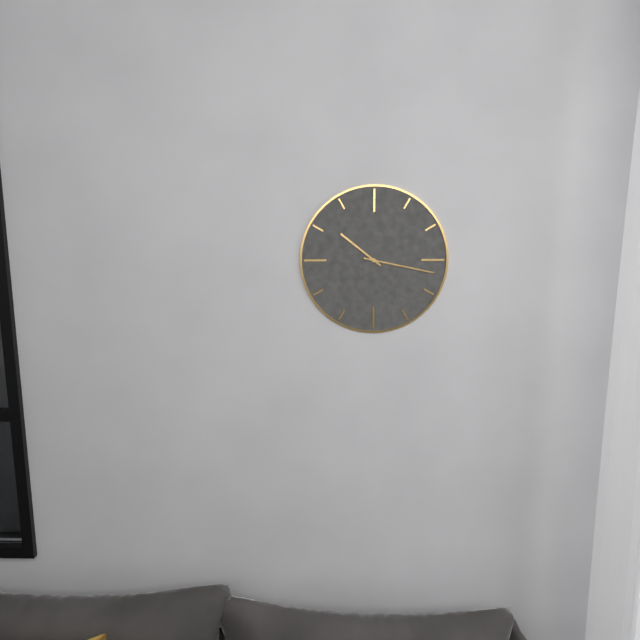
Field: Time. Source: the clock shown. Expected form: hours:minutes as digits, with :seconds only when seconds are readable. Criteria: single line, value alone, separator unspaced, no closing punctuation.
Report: 10:17
